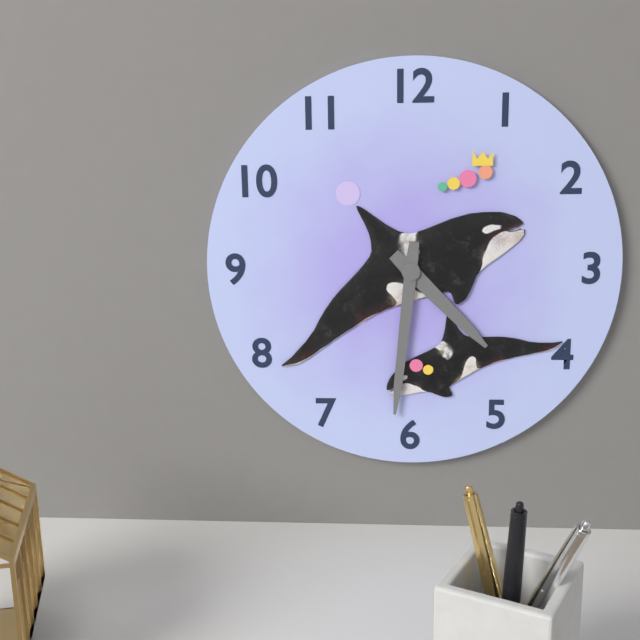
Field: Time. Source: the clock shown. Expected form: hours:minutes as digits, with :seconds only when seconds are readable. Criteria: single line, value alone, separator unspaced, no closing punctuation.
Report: 4:31
